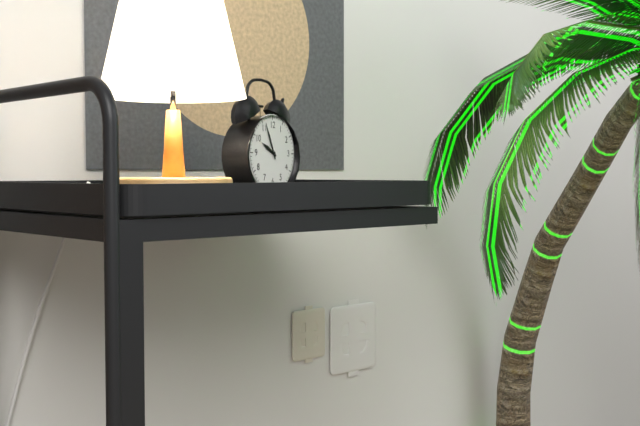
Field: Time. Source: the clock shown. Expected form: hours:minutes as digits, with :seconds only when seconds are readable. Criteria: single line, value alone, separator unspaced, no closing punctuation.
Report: 9:56
